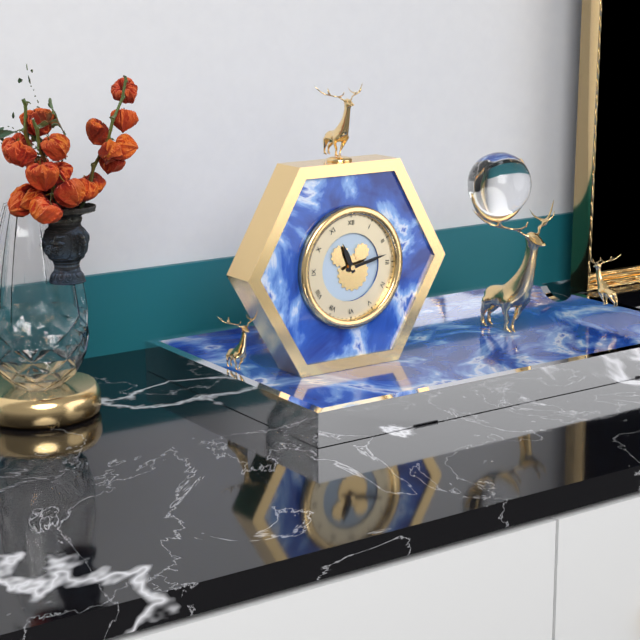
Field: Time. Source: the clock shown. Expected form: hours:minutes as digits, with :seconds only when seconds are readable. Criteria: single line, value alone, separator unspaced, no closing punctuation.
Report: 11:13
